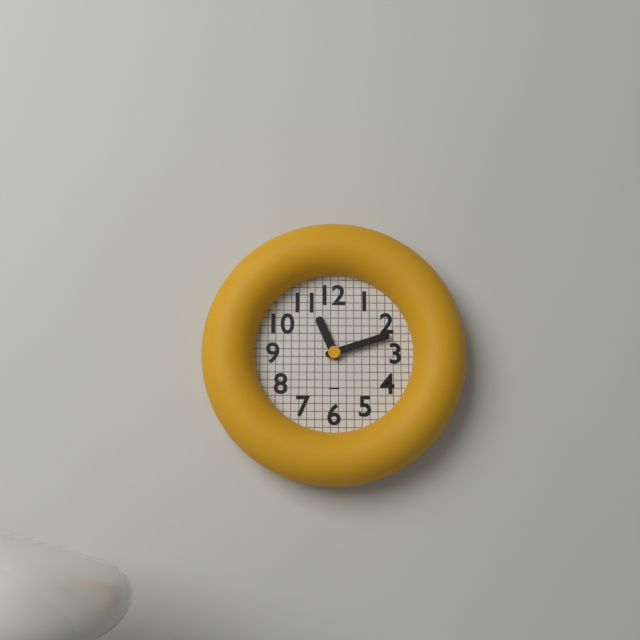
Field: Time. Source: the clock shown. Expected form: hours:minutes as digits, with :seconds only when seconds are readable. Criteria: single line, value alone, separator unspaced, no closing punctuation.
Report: 11:12
